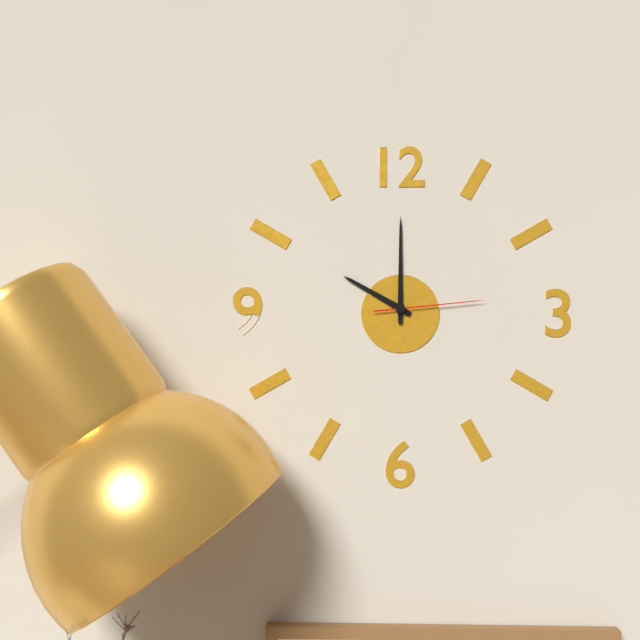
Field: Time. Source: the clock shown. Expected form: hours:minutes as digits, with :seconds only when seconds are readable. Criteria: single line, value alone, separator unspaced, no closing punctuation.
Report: 10:00:14
